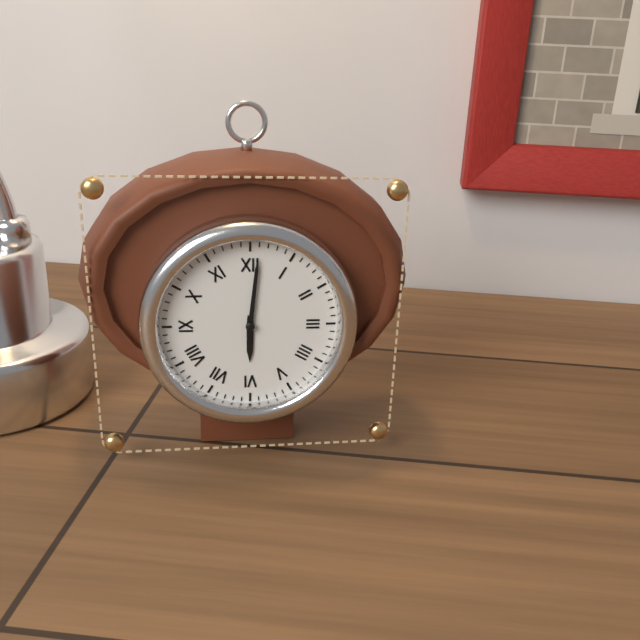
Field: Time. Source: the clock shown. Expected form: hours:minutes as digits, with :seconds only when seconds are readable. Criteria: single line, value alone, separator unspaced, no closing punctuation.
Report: 6:01
